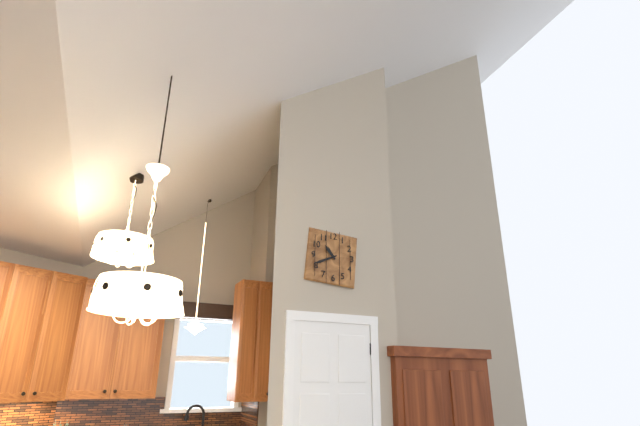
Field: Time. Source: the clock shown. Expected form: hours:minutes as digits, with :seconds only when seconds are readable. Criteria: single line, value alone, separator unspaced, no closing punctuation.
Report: 10:41
